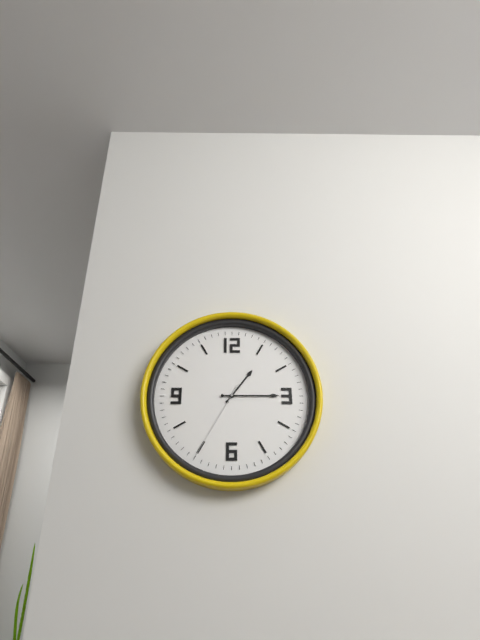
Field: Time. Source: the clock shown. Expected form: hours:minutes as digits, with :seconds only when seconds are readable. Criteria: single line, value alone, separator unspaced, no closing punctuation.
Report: 1:15:35
